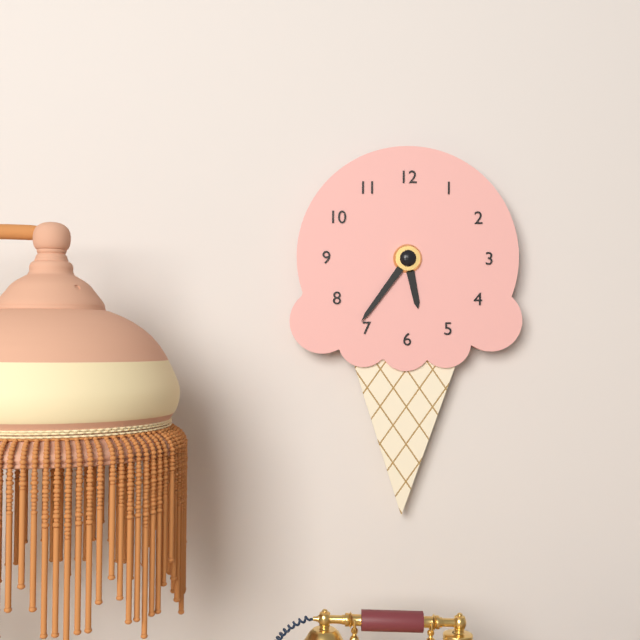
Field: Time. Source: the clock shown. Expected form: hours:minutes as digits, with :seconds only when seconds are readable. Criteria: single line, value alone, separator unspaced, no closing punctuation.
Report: 5:36
